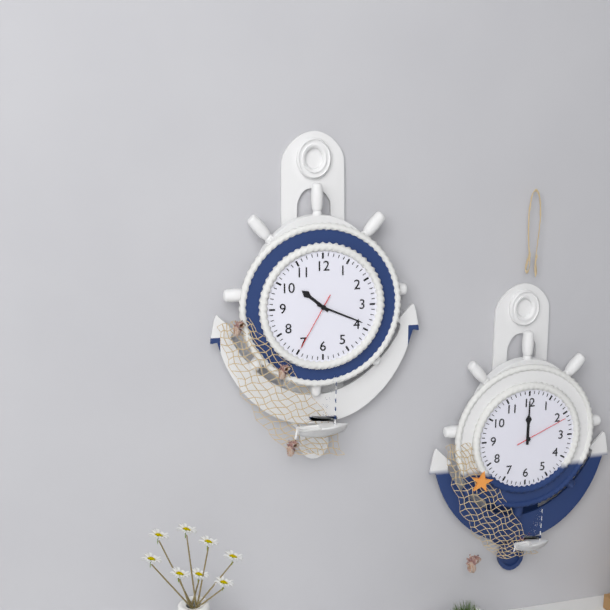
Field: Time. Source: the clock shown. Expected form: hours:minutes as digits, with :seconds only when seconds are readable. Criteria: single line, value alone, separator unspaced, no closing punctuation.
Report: 10:19:35
